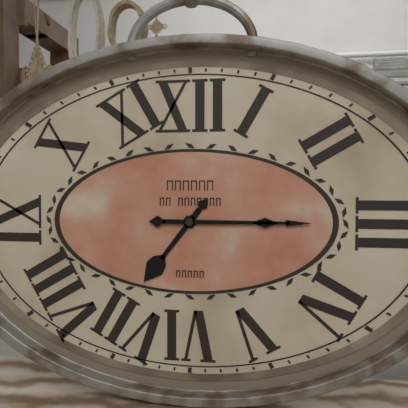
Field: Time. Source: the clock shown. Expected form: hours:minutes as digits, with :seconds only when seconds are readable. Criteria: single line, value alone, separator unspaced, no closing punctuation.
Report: 7:15
